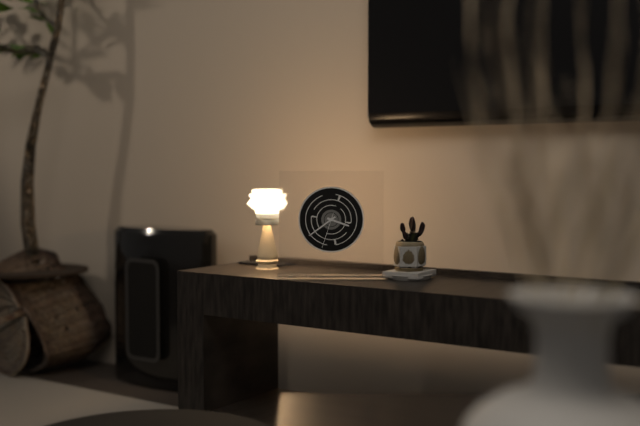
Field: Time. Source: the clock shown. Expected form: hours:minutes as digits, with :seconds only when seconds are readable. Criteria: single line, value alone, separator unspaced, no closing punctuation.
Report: 3:39
